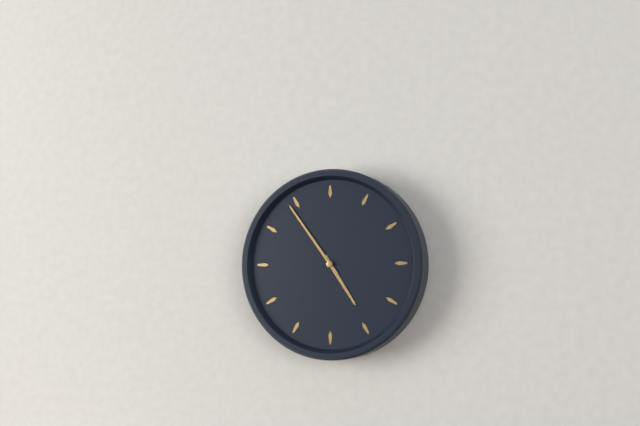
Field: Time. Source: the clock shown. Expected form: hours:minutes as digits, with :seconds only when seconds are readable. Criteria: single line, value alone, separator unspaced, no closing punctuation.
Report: 4:54
